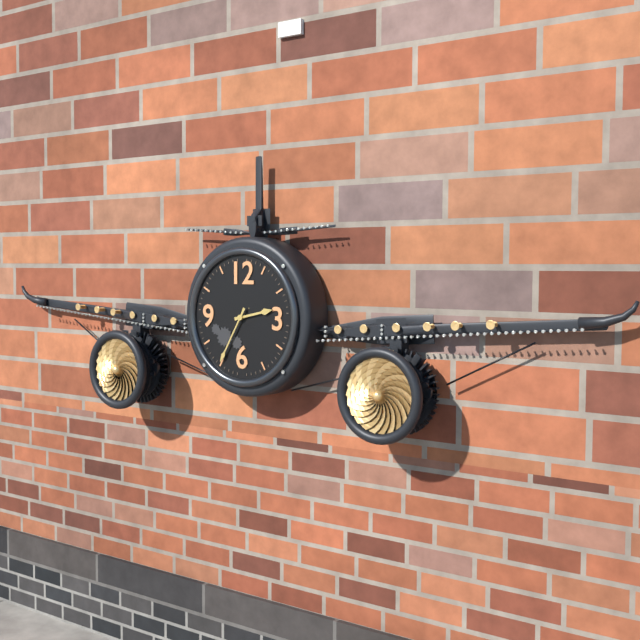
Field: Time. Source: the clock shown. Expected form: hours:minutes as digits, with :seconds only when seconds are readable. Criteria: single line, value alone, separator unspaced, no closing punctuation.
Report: 2:35
